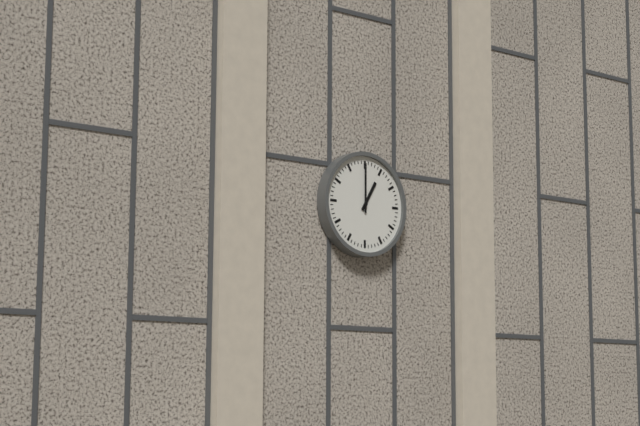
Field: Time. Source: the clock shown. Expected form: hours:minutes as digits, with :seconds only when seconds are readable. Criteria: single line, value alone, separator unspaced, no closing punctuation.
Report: 1:00
